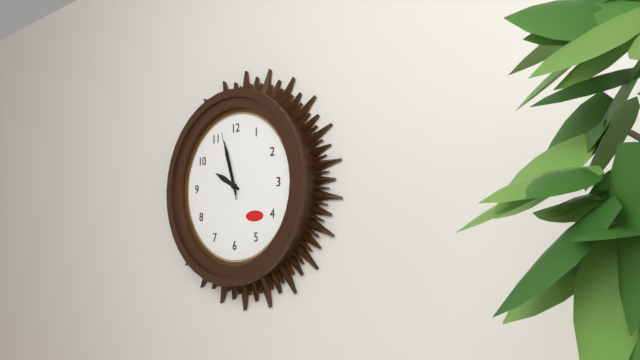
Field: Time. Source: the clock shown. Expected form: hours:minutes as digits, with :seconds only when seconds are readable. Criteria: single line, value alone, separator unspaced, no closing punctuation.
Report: 9:57:57
